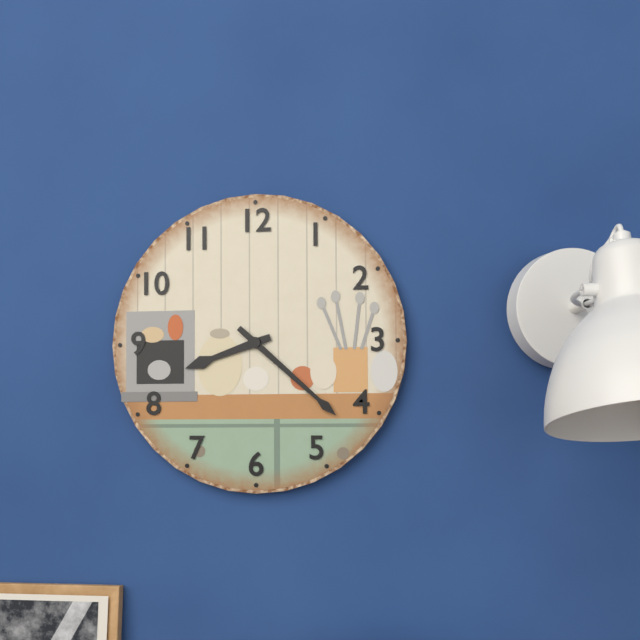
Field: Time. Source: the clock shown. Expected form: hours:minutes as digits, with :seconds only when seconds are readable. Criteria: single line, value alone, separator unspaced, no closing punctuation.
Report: 8:22
